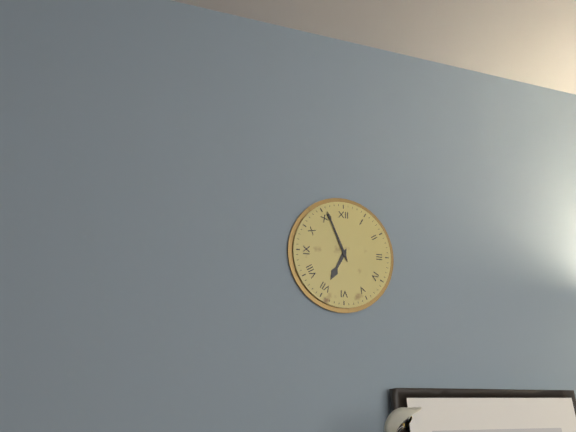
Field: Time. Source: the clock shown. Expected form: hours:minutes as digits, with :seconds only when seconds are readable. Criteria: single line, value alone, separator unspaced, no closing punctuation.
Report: 6:56
